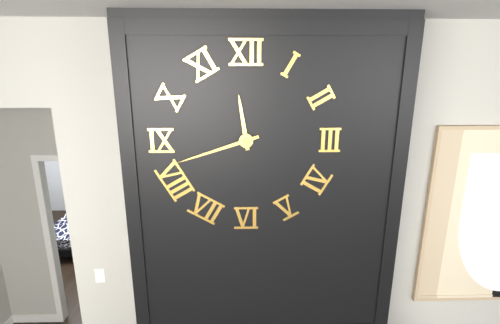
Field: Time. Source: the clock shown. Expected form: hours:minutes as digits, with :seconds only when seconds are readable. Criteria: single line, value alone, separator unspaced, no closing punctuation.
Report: 11:42
